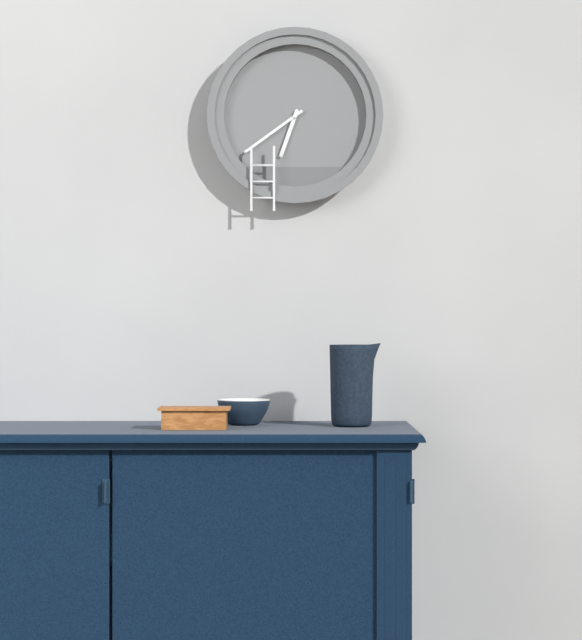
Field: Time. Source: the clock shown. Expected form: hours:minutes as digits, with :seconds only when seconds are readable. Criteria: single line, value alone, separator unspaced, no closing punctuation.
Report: 6:39
